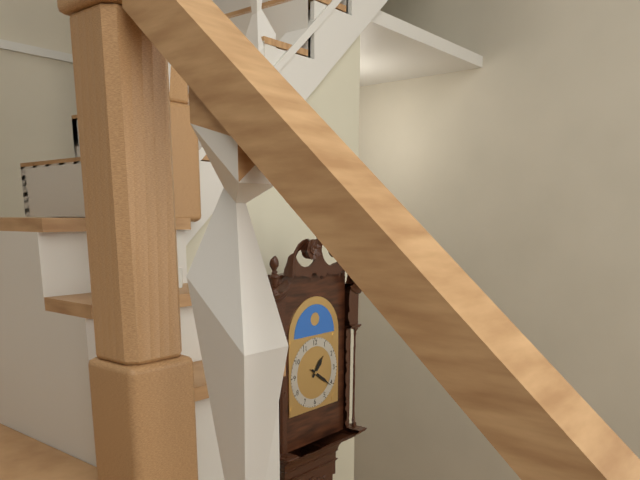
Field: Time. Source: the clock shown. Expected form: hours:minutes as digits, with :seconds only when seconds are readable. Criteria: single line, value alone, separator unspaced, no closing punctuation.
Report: 1:21
